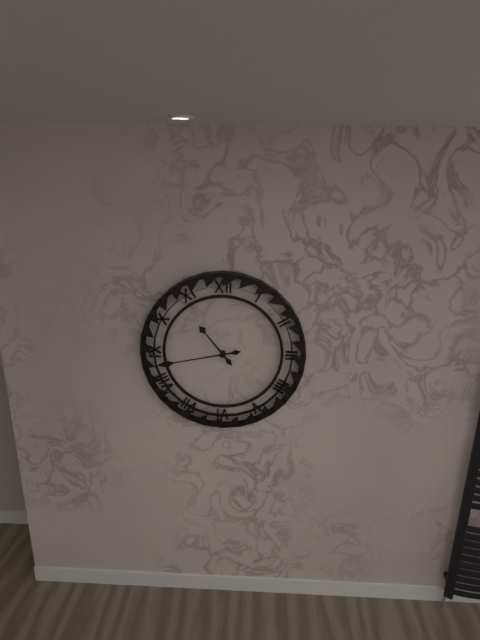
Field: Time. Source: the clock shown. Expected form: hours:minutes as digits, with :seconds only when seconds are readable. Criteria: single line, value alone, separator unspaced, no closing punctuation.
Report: 10:43
